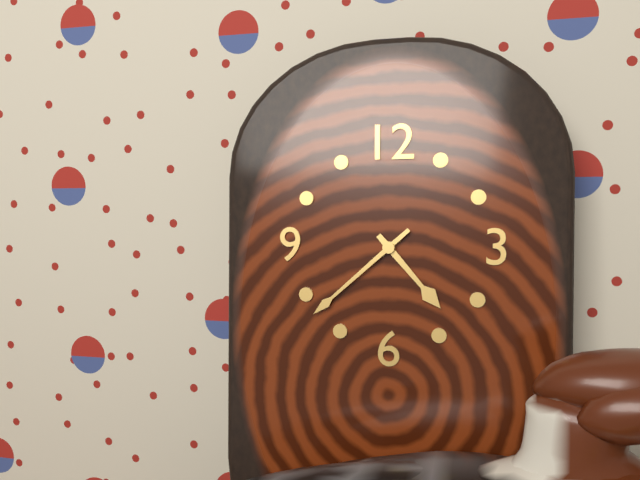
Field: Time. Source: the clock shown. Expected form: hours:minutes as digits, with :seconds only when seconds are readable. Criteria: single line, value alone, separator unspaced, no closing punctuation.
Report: 4:38
